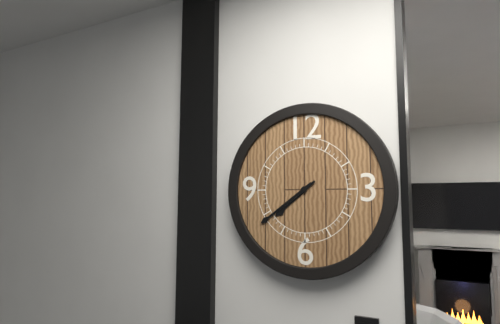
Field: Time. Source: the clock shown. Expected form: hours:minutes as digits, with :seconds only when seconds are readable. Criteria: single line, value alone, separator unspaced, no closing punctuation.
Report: 7:39
